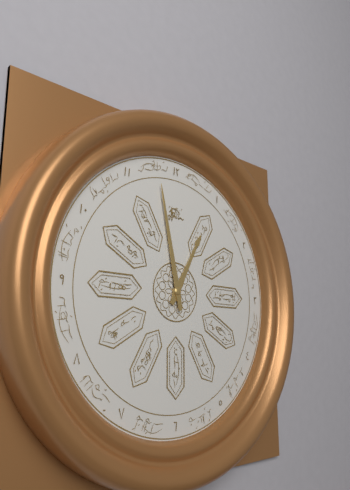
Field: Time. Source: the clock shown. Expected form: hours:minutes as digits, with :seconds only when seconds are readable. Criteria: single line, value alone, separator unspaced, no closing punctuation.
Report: 12:58
